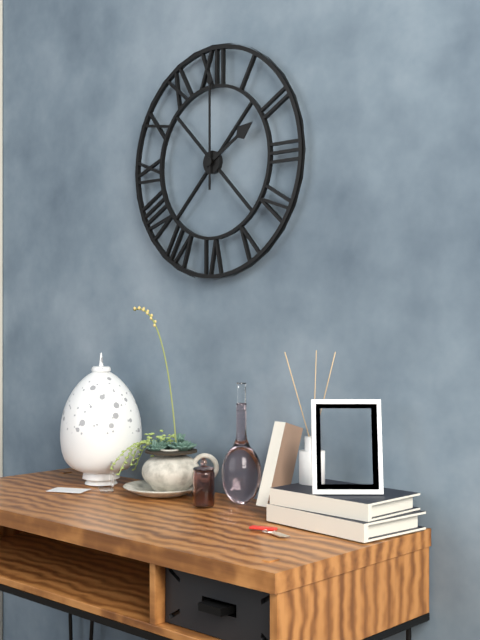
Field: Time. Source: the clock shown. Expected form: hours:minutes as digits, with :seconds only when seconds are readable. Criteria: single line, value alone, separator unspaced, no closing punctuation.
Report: 2:00
